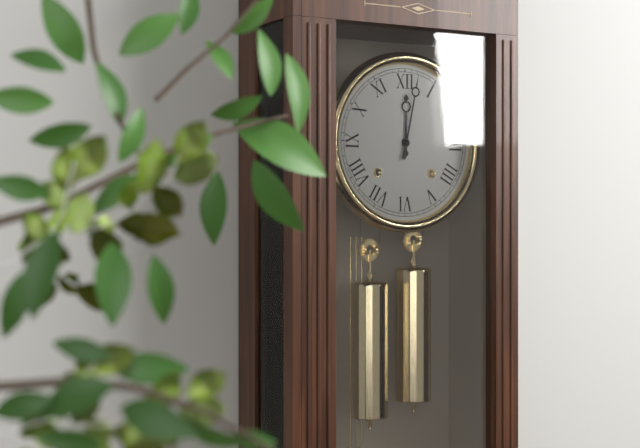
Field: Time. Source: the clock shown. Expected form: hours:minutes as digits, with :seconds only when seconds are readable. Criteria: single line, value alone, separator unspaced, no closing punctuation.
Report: 12:02
